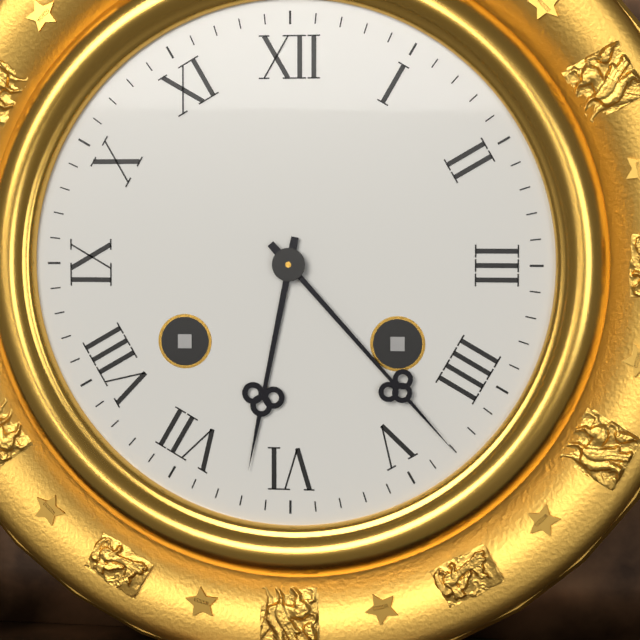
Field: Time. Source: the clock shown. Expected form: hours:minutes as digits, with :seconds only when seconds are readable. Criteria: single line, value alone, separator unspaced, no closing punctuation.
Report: 6:23
